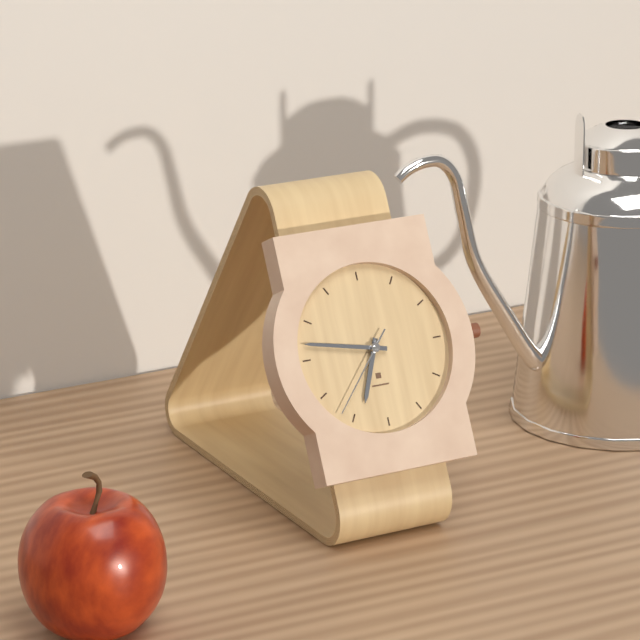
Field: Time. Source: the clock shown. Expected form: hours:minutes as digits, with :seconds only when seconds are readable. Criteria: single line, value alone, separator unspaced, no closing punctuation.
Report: 6:47:37
